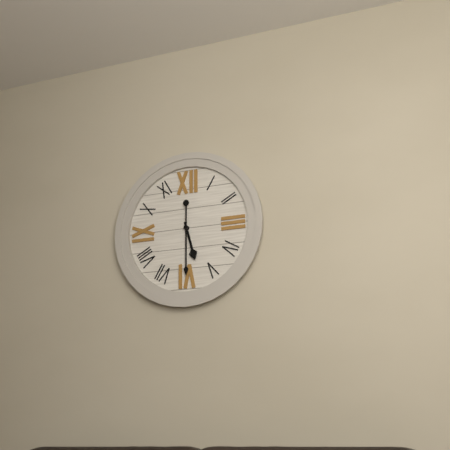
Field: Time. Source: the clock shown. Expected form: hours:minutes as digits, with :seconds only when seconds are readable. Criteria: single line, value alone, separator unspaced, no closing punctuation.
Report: 5:30
